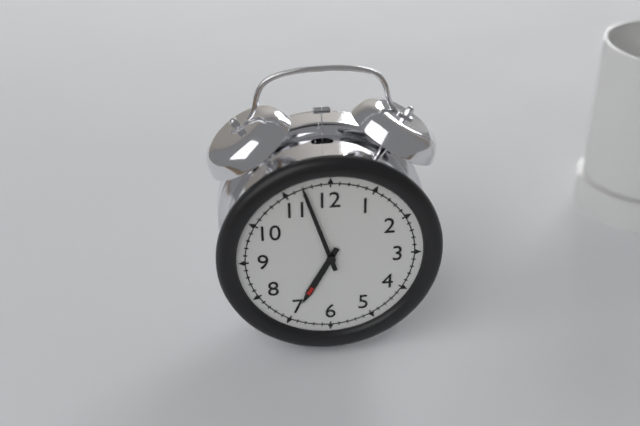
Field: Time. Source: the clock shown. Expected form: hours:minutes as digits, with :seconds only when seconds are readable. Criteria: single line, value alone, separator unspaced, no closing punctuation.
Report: 6:57
